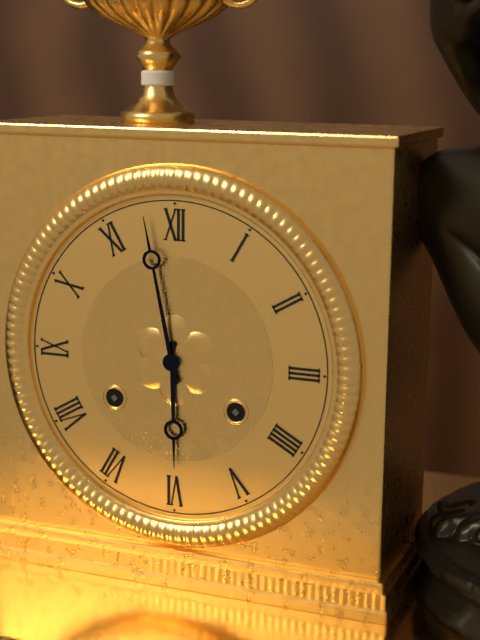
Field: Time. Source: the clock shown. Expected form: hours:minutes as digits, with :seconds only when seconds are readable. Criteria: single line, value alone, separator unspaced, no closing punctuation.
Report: 5:58
